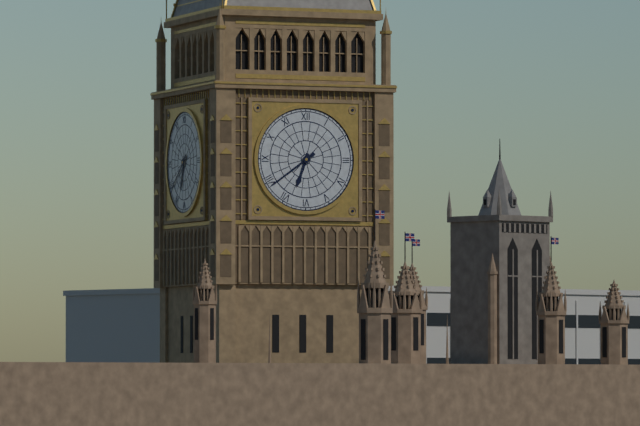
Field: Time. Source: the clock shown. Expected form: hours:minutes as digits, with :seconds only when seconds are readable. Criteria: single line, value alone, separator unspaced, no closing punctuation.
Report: 6:39
